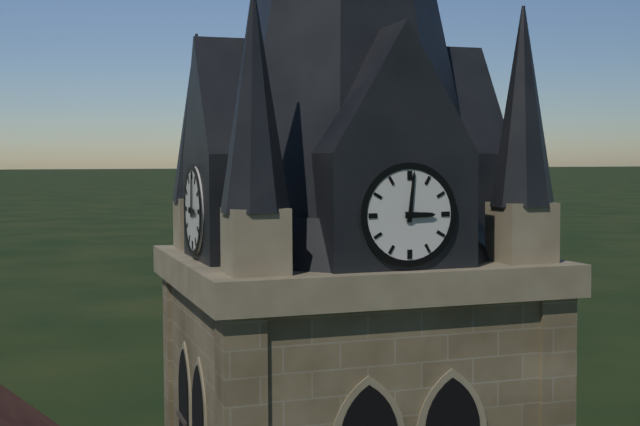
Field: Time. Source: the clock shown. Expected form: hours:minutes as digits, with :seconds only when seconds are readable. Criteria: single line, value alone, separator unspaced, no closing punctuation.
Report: 3:01
